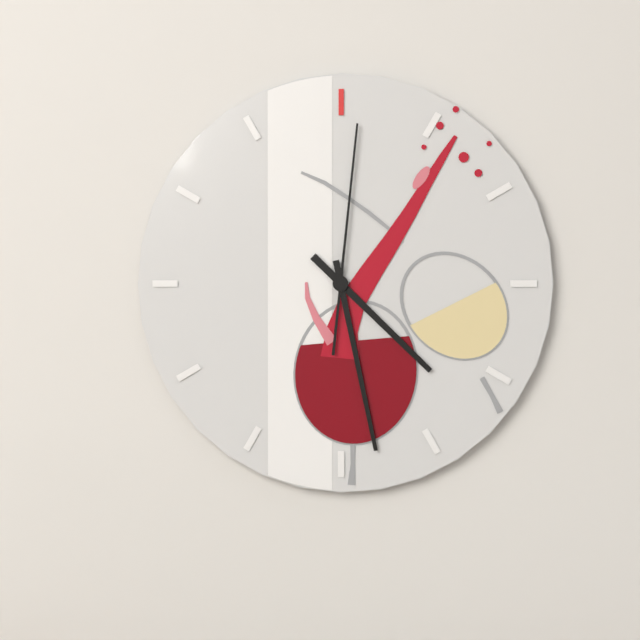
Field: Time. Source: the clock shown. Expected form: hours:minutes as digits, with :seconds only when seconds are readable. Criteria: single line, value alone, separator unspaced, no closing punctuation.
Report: 4:28:01
